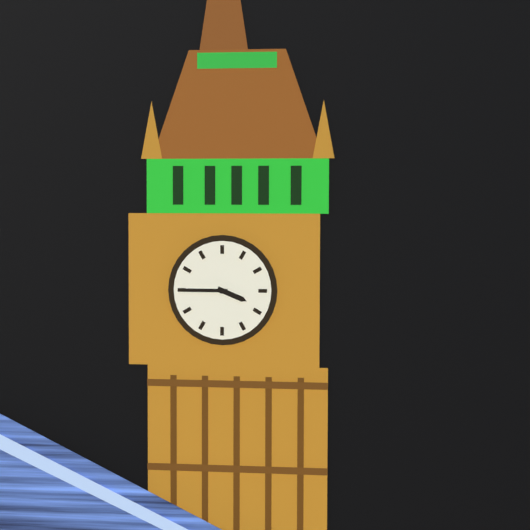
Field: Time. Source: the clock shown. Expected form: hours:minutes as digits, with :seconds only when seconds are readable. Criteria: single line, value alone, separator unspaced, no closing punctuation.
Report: 3:45
